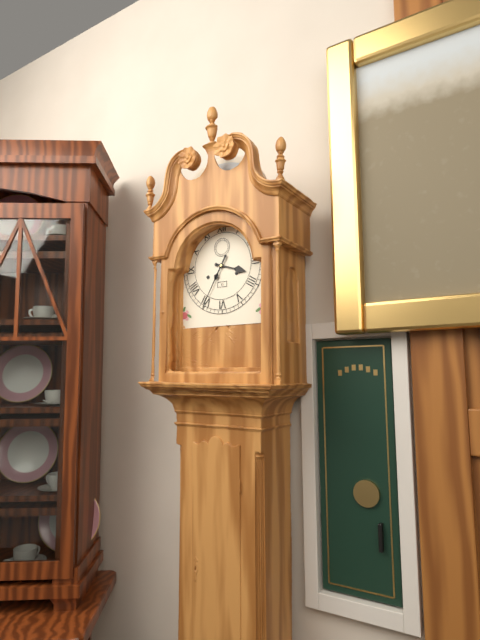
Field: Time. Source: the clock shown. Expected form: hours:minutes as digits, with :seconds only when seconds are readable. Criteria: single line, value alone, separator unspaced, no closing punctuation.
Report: 3:35
